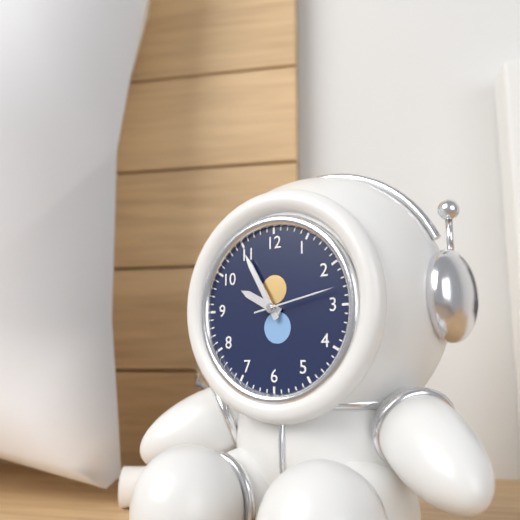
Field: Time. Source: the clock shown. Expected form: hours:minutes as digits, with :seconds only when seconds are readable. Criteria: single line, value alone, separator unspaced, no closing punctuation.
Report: 9:55:13
